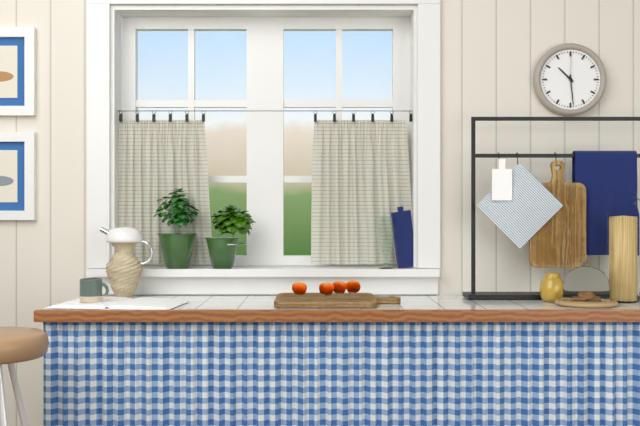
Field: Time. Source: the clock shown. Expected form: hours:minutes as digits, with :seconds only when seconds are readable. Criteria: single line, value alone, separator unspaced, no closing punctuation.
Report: 10:29
